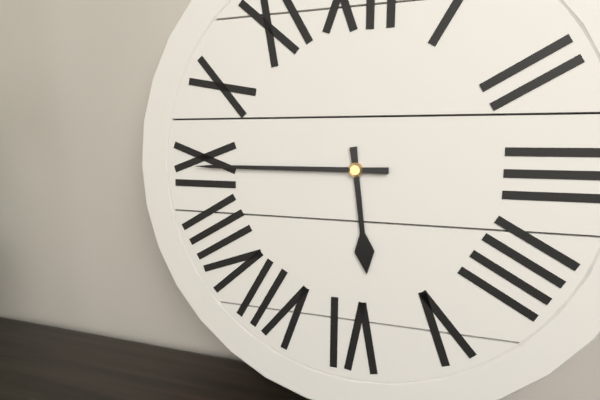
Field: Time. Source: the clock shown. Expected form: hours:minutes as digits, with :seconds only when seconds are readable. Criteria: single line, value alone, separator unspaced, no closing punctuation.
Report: 5:45
